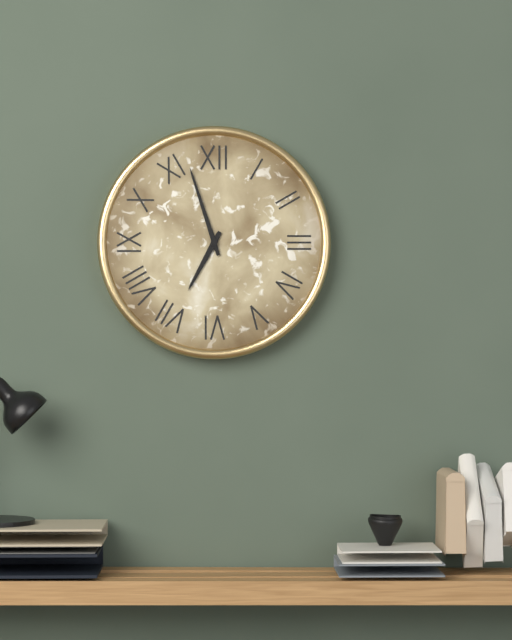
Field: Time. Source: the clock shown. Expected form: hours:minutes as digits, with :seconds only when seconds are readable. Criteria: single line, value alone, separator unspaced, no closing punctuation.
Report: 6:57
